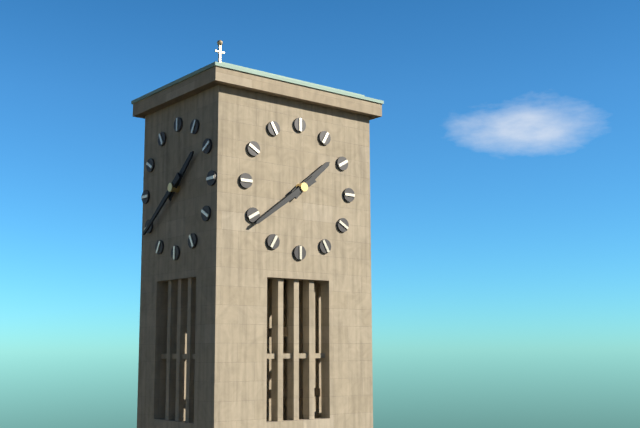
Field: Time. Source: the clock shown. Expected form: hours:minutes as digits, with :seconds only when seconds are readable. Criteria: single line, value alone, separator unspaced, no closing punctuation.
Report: 1:39
